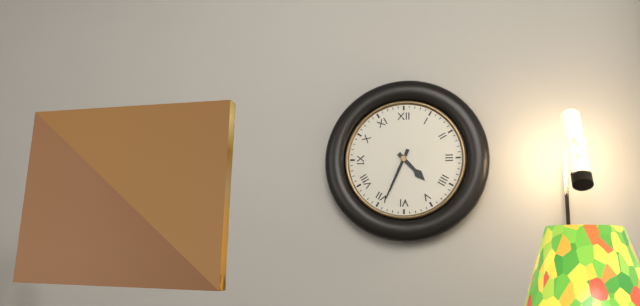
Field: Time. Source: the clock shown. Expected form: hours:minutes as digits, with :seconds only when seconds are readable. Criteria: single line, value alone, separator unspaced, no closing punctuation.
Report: 4:34
